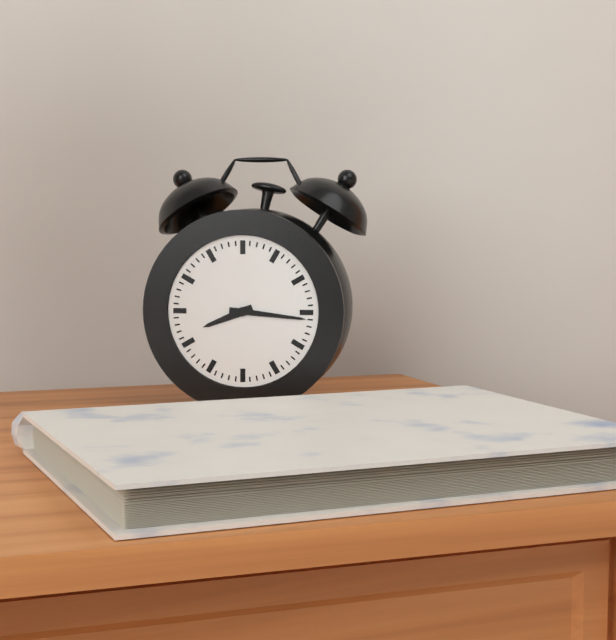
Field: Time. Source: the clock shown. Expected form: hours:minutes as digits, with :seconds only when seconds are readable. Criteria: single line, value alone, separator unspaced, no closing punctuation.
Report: 8:16
